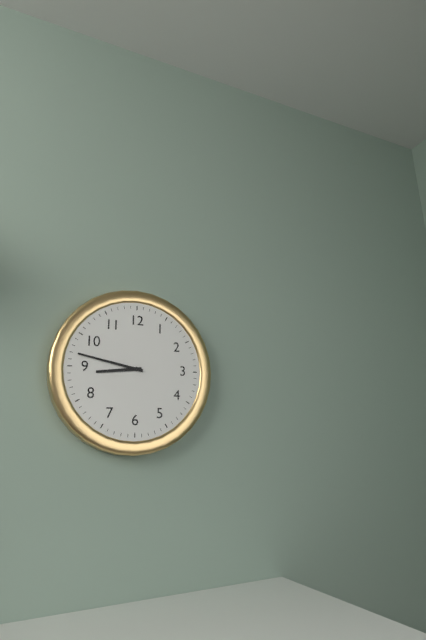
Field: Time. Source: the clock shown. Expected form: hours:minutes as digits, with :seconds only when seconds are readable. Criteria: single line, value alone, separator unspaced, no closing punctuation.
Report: 8:47
